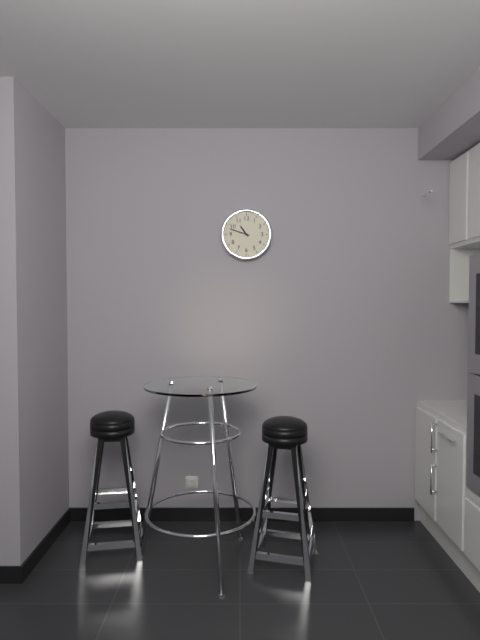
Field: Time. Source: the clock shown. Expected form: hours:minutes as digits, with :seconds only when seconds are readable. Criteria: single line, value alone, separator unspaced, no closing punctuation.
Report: 10:48
